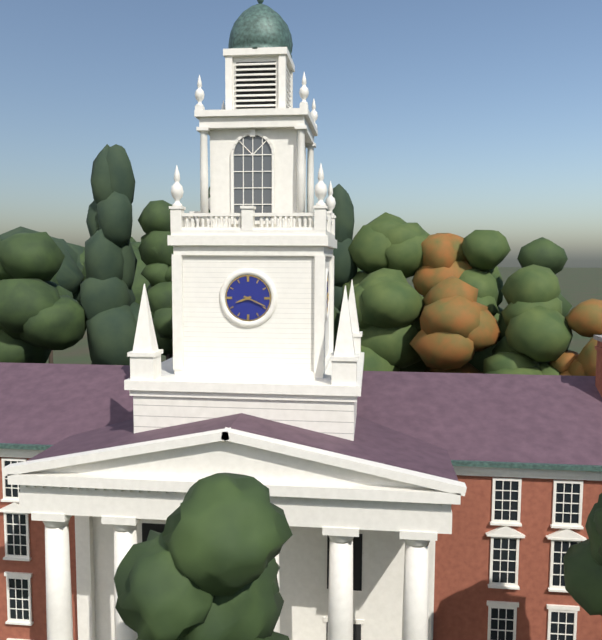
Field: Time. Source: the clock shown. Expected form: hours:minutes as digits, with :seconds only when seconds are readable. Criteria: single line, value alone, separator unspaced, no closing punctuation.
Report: 8:19
